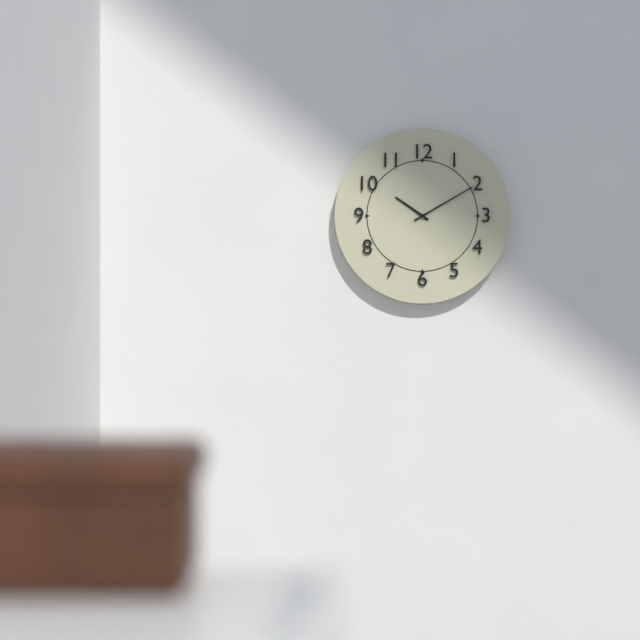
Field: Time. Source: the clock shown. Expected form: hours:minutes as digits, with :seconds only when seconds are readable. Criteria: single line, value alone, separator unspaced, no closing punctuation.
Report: 10:10
